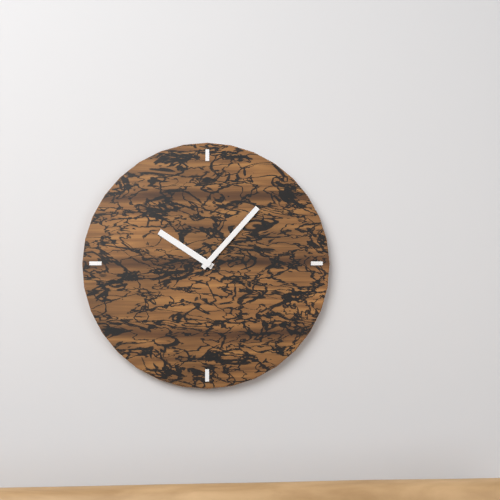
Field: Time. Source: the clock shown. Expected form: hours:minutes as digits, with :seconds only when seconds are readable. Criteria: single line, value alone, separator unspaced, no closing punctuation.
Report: 10:07
